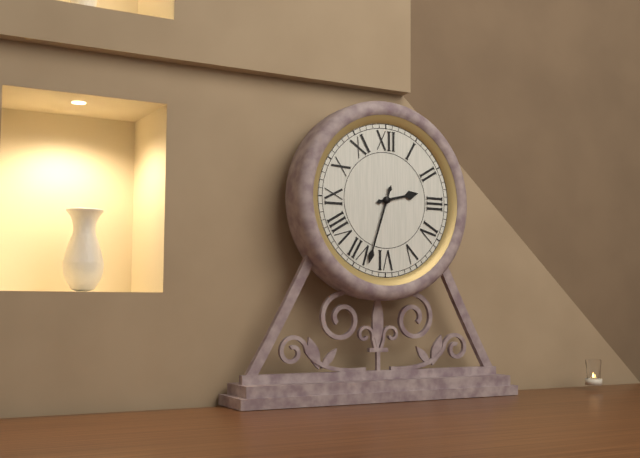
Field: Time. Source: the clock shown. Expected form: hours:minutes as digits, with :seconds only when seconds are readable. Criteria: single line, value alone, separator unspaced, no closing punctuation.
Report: 2:33
